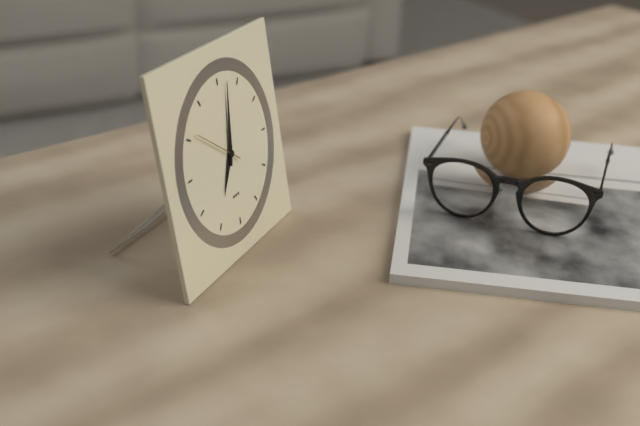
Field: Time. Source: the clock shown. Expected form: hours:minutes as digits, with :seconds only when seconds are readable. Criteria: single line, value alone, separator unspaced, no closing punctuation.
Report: 7:02
